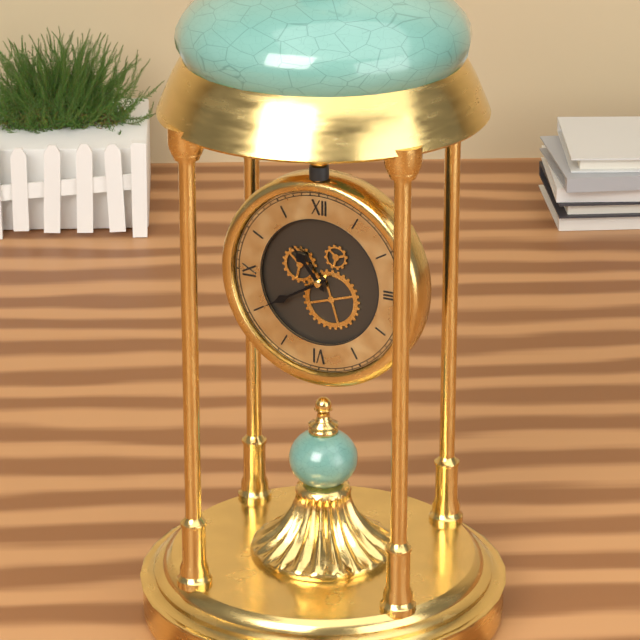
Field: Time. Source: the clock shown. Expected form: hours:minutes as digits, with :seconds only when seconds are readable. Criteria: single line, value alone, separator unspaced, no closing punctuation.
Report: 10:40
